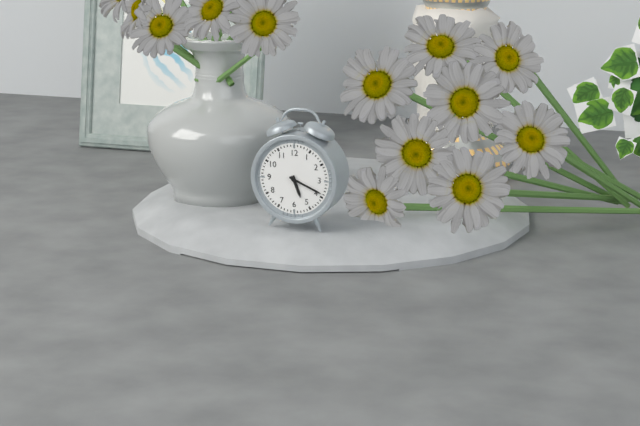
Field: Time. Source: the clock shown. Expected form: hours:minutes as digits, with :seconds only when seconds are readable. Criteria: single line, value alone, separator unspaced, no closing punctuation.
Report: 5:19
